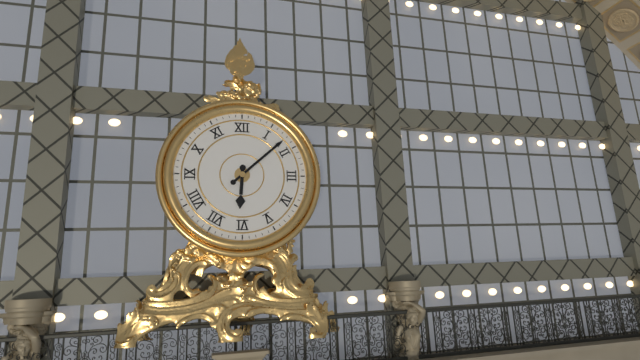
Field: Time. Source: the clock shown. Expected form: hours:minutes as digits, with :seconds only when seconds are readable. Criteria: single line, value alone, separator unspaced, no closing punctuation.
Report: 6:08
